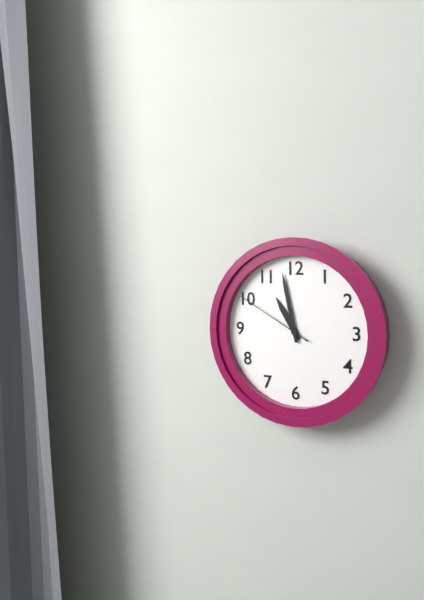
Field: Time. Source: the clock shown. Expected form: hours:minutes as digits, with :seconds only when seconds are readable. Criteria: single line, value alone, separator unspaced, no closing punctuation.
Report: 10:58:50
